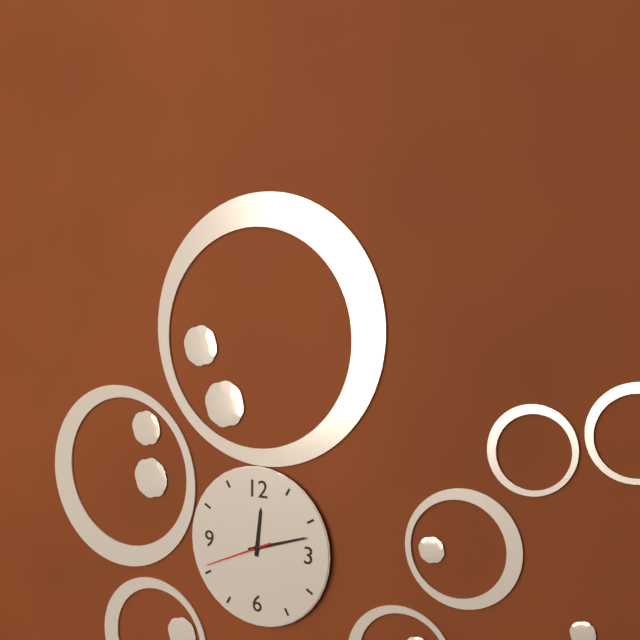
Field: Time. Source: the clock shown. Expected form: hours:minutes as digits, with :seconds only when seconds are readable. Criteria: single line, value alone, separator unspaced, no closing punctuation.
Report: 12:12:41
